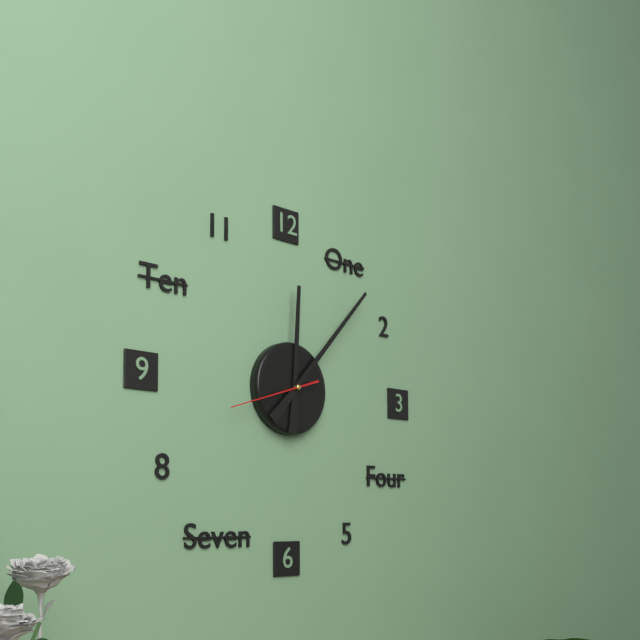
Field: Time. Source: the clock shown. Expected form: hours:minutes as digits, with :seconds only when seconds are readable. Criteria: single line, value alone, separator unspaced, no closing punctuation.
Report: 12:07:42
